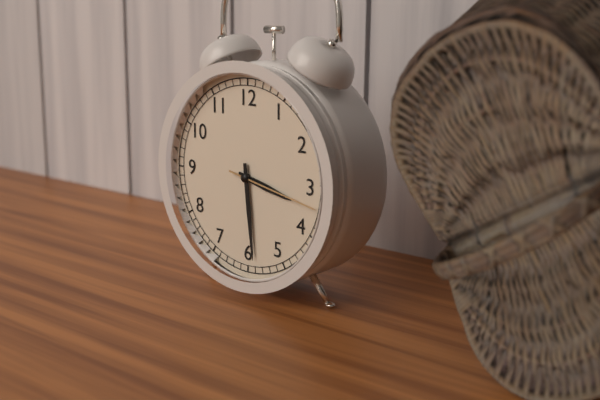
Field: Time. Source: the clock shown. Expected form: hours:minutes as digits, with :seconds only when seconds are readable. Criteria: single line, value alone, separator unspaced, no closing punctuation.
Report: 3:29:17
